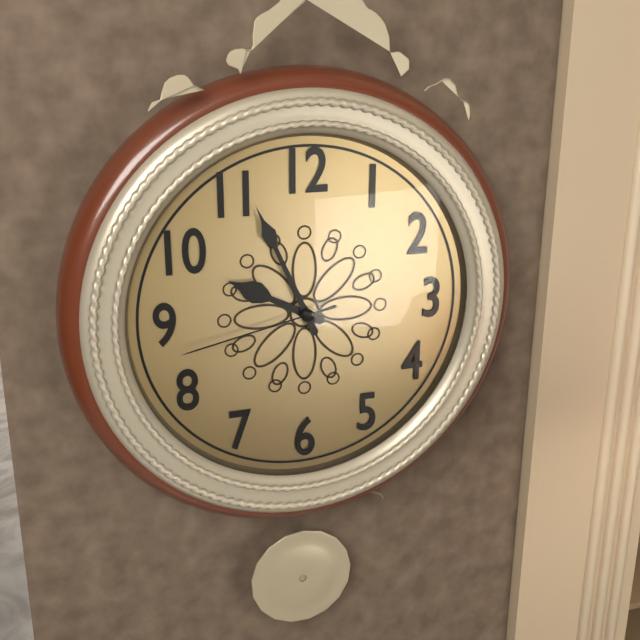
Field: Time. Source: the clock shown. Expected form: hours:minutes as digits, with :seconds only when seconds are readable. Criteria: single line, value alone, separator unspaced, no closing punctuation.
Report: 9:56:43
